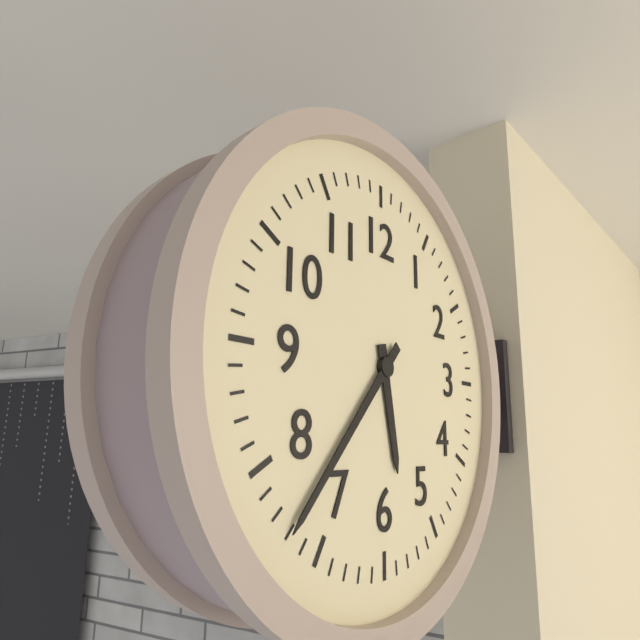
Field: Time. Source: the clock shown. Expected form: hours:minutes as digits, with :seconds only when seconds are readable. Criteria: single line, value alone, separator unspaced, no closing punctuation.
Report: 5:37
